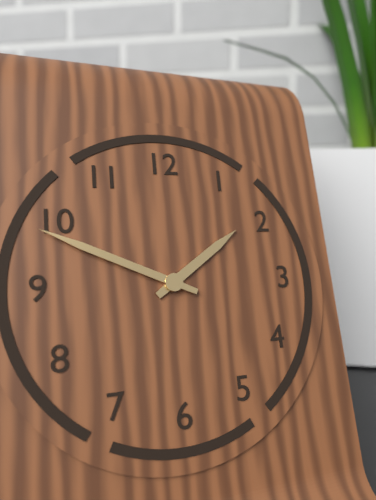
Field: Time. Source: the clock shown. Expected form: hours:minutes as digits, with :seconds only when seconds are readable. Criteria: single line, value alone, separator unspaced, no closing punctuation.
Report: 1:49
